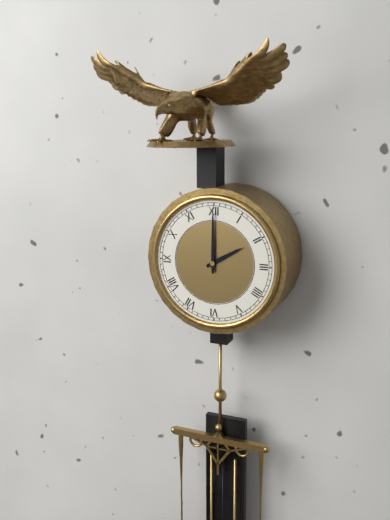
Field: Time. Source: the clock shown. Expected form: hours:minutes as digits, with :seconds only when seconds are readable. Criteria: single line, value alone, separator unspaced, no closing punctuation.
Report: 2:00
